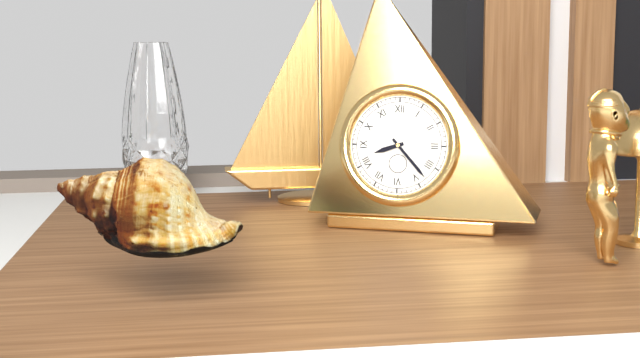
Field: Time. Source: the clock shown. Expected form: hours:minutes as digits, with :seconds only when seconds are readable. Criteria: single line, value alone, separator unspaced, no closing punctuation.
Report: 8:23
